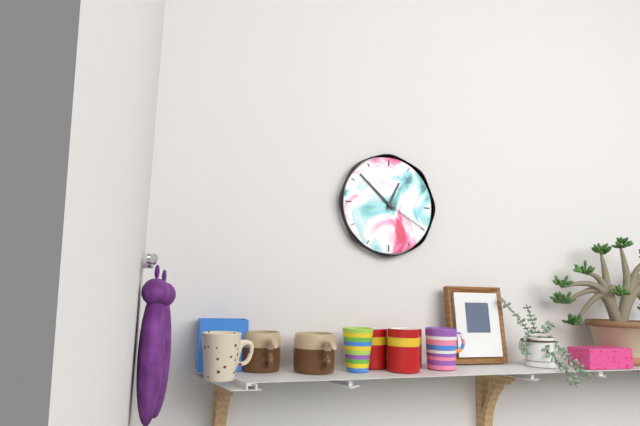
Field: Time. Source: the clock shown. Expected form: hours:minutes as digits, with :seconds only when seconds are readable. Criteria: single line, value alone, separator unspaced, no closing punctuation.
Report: 12:52:20
